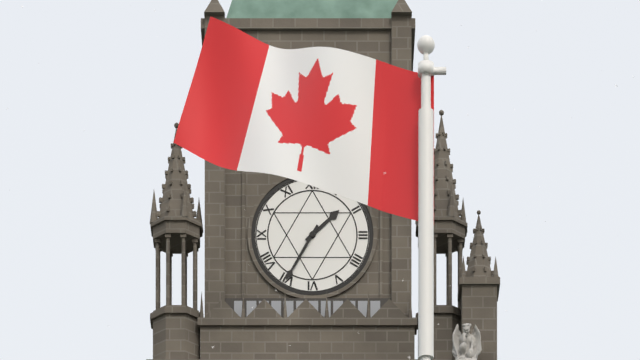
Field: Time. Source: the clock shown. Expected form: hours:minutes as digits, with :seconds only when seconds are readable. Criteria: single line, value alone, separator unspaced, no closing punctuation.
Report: 1:35
